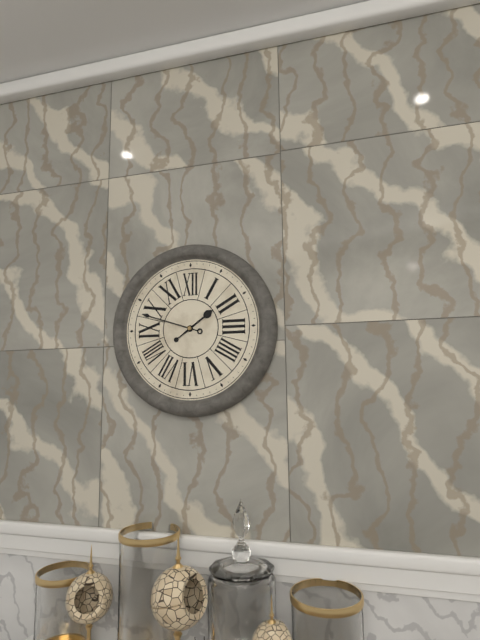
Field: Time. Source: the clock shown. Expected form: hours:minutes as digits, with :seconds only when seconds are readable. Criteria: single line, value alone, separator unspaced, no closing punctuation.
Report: 1:48
